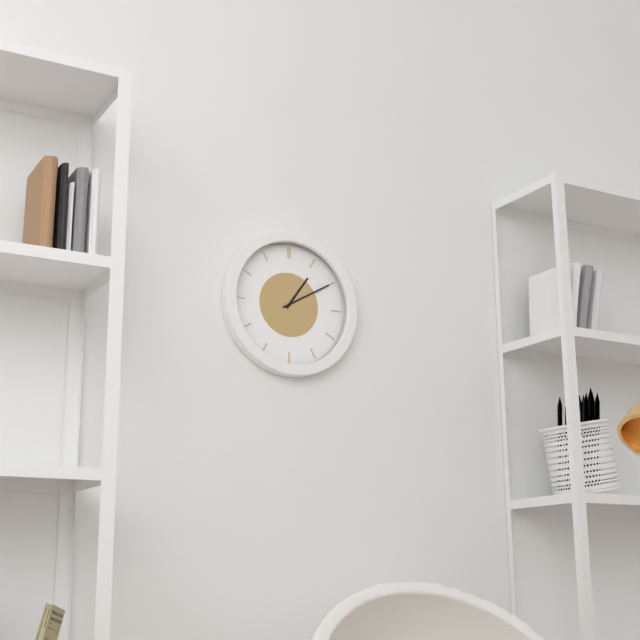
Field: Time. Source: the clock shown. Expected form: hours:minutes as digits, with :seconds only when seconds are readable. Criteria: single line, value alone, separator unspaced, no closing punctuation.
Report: 1:10
